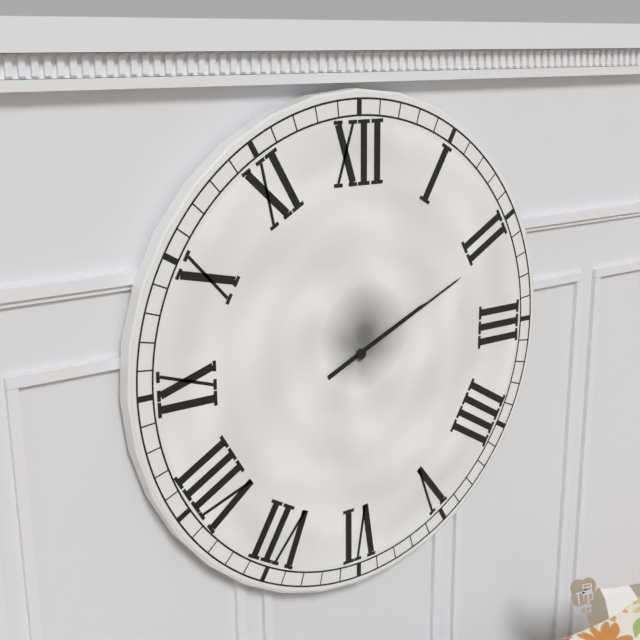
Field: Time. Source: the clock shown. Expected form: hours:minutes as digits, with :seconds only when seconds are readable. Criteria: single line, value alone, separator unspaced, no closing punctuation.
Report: 2:11
